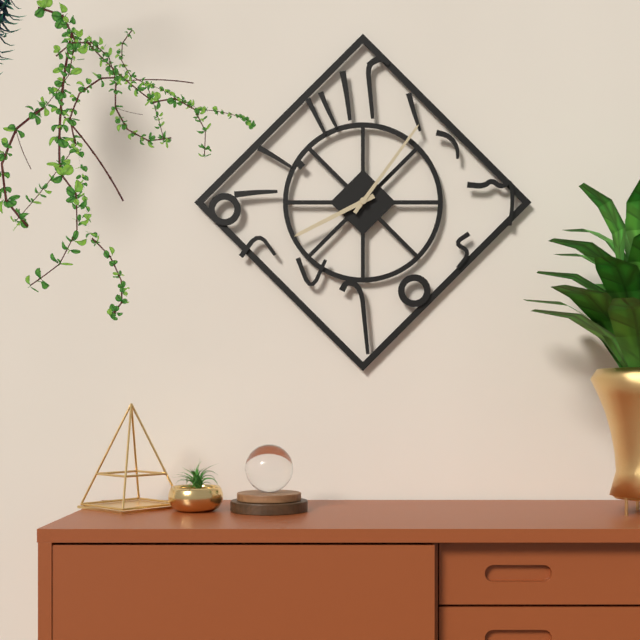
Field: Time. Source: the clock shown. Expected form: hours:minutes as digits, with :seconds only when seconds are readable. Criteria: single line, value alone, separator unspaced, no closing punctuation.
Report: 8:06
